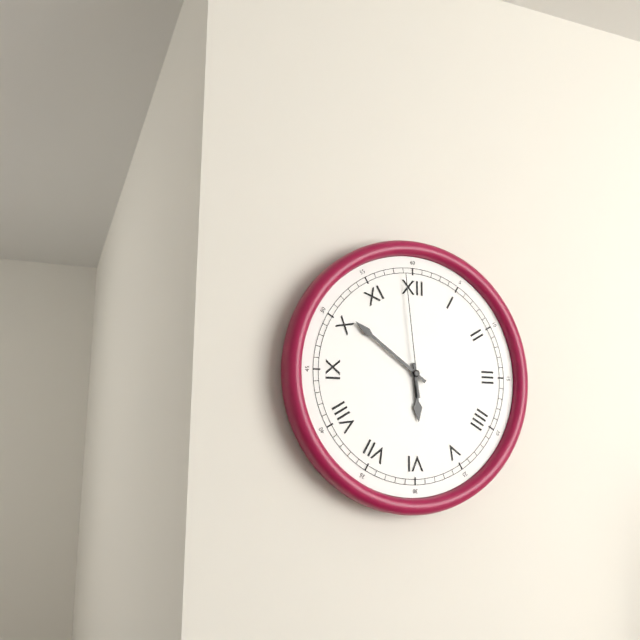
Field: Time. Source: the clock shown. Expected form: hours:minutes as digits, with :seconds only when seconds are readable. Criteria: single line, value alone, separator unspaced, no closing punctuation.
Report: 5:51:59
